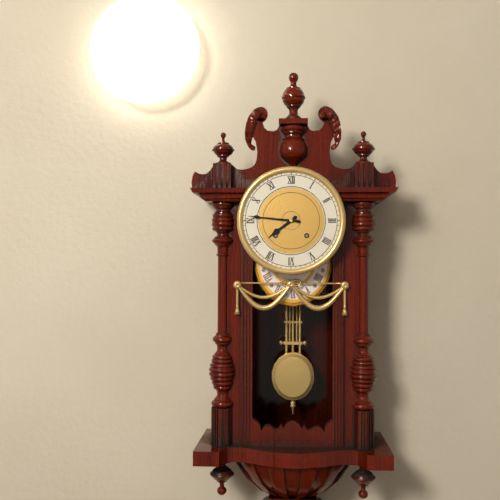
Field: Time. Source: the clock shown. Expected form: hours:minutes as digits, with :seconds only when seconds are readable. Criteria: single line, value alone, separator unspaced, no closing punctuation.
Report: 7:46
